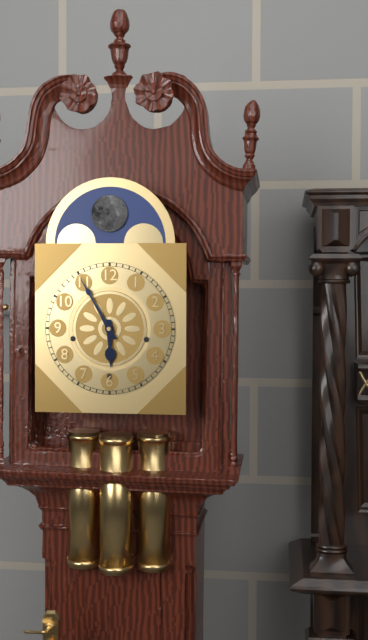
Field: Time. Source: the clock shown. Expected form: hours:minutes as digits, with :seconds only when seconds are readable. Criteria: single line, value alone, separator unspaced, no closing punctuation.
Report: 5:55
